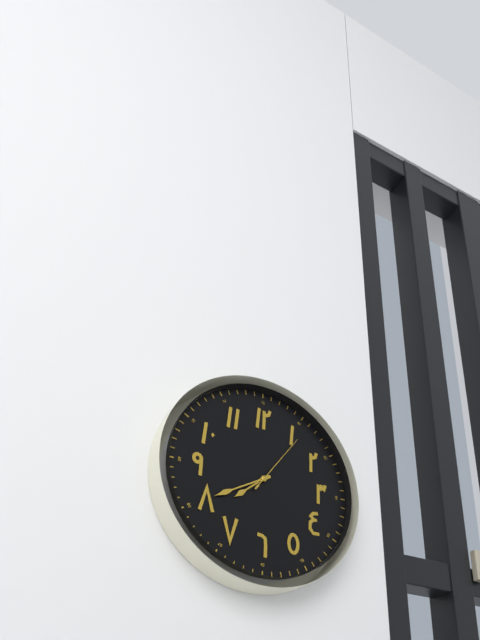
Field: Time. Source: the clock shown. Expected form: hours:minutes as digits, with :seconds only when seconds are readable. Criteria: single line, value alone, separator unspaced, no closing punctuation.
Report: 7:40:06
